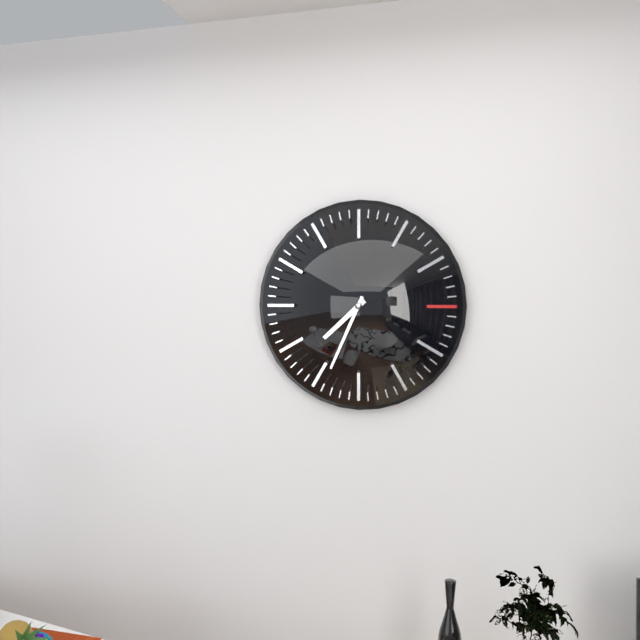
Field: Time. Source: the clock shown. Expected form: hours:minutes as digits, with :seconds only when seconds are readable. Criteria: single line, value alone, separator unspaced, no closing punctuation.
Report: 7:34
